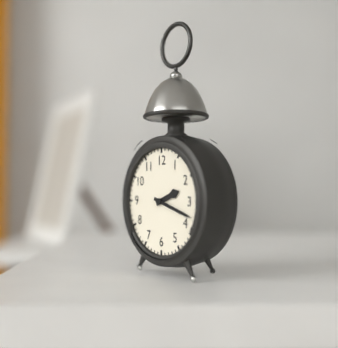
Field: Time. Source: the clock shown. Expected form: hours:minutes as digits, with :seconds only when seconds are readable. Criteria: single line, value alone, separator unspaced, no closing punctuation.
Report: 2:18
